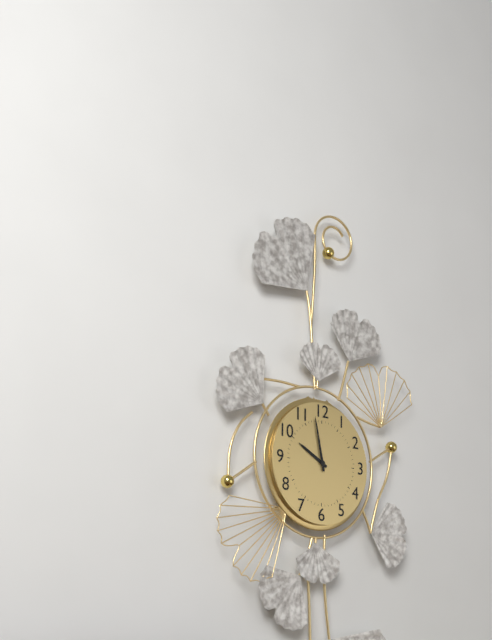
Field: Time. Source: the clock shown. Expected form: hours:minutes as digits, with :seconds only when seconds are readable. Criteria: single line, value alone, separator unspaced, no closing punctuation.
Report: 9:58
